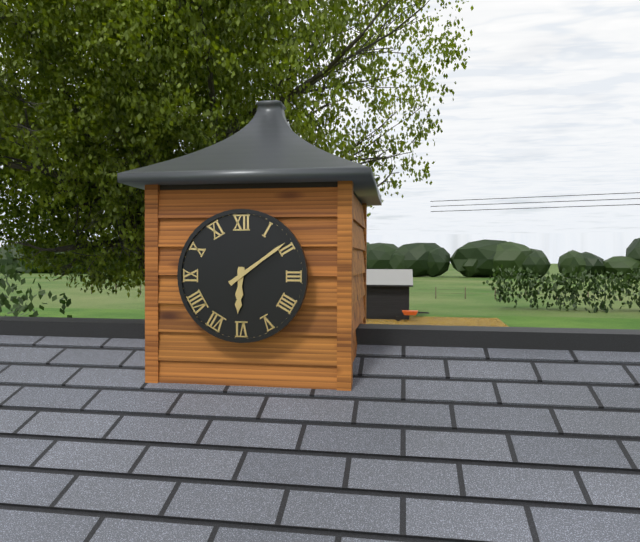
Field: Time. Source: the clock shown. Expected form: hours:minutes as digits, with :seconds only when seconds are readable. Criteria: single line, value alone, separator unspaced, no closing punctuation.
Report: 6:09
